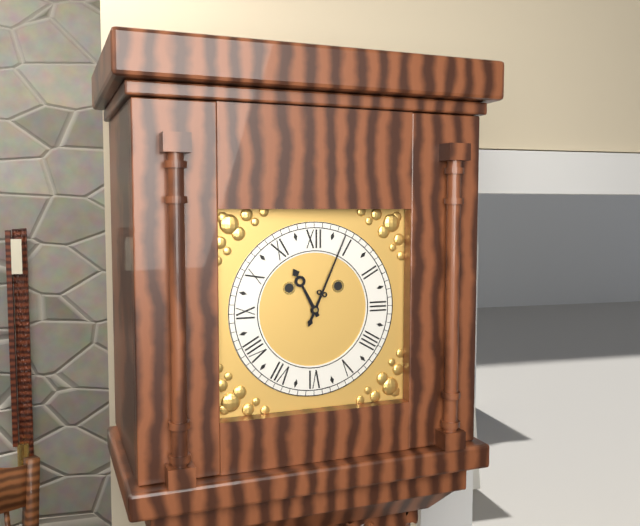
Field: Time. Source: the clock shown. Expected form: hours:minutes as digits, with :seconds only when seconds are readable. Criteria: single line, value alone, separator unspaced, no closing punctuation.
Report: 11:04
